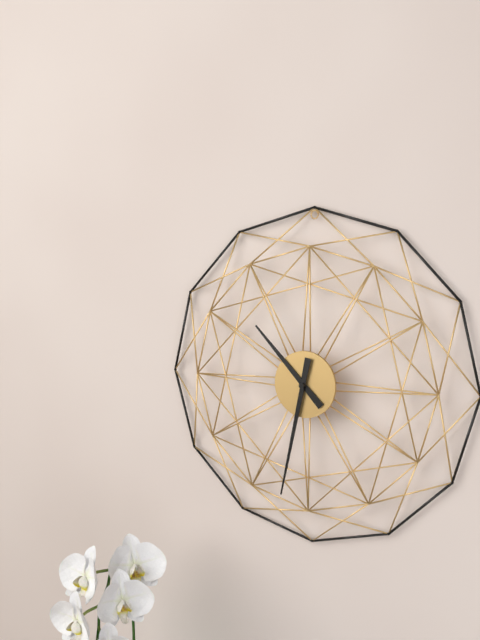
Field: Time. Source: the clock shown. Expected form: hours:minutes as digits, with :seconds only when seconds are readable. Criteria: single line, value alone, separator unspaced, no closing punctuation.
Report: 10:32
